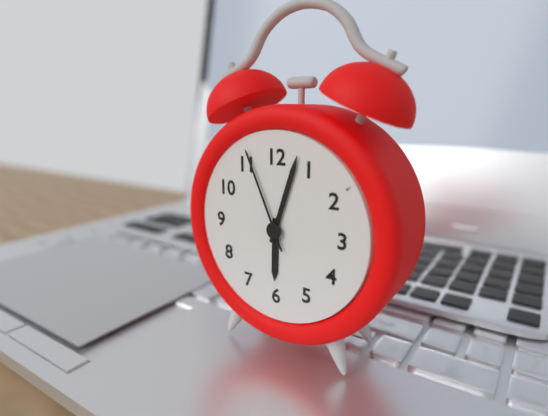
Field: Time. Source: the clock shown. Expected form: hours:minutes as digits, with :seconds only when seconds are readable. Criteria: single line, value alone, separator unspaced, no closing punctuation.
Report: 6:03:56
